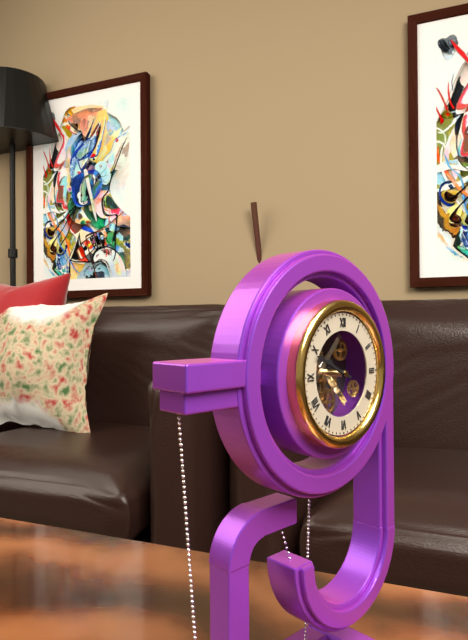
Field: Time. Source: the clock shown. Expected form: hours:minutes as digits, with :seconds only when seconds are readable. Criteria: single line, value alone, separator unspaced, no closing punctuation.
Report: 9:49
